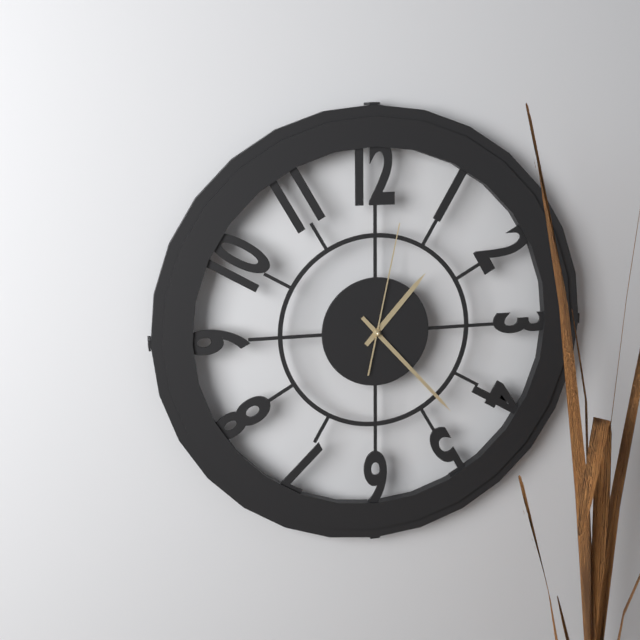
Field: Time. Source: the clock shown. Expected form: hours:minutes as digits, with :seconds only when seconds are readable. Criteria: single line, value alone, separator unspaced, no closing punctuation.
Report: 1:23:02
